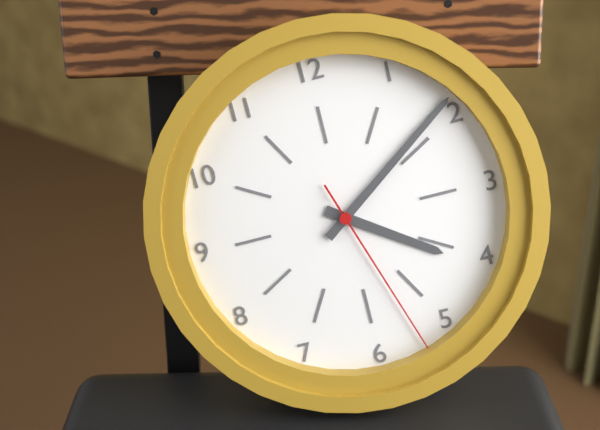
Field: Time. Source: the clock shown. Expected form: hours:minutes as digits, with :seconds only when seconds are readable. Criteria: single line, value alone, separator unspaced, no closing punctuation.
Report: 4:09:27
